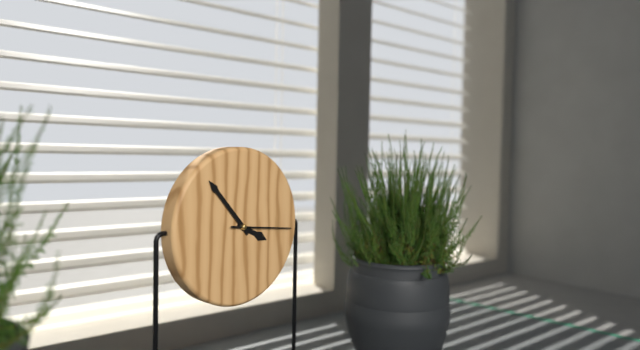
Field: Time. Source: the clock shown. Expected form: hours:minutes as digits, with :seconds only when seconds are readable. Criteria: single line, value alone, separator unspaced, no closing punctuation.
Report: 3:53:16
